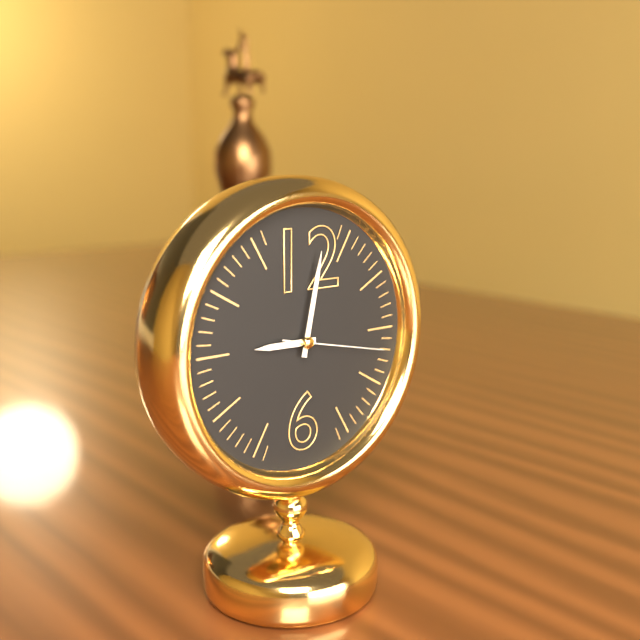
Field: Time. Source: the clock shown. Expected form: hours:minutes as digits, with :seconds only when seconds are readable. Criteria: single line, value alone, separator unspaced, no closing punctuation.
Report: 9:02:17
